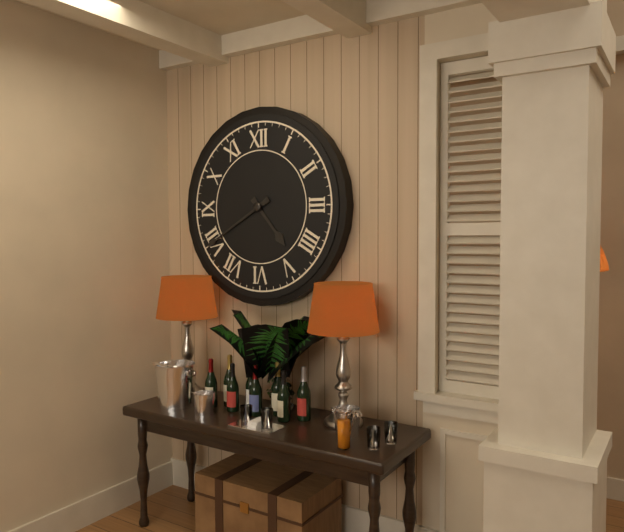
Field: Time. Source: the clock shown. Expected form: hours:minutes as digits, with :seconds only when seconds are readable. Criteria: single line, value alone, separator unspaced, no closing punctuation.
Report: 4:40
